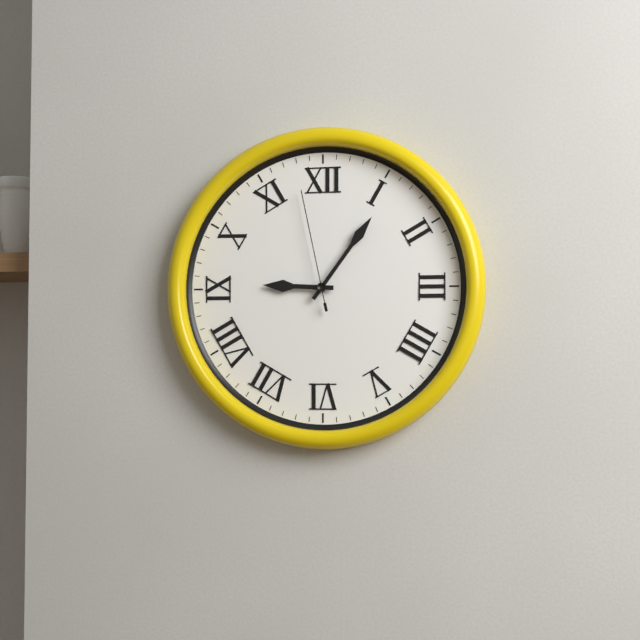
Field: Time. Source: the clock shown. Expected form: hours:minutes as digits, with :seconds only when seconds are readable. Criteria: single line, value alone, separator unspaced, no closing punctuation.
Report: 9:06:58
